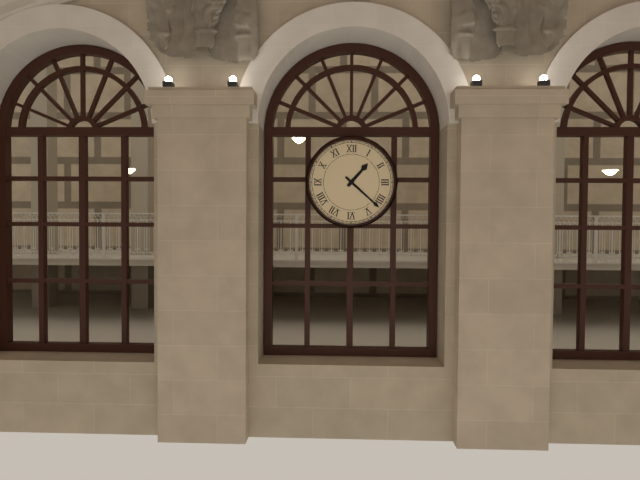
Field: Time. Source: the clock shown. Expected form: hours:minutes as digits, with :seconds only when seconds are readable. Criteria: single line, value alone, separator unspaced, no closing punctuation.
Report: 1:22
